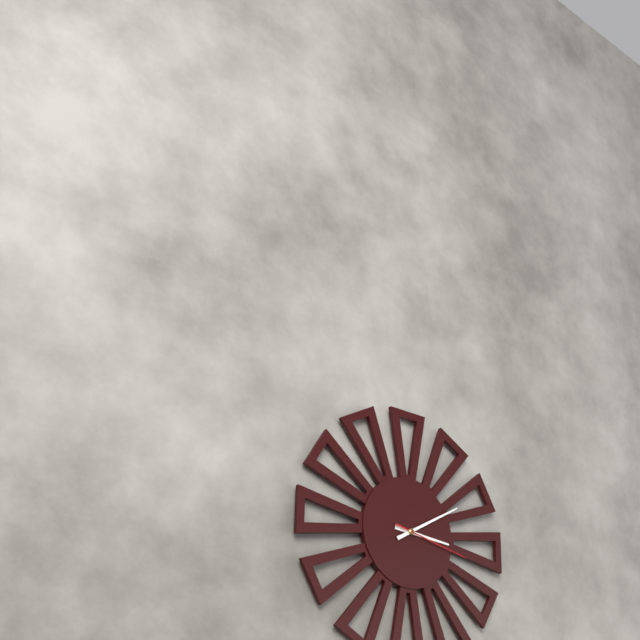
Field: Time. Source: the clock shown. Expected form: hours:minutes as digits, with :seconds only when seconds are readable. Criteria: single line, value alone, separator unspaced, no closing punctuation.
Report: 3:10:17
